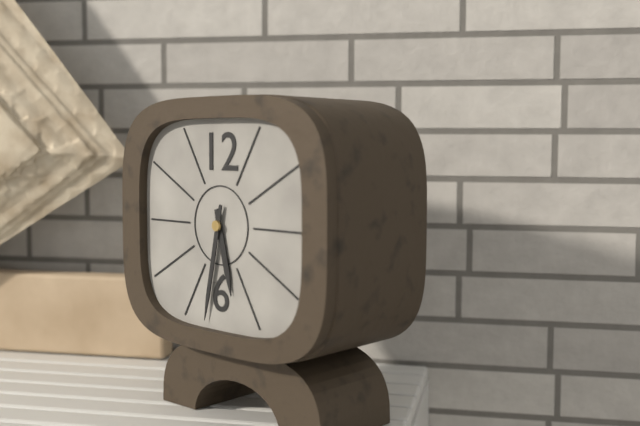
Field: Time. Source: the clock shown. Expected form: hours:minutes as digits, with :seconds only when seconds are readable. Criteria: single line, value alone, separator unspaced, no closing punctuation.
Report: 5:32
